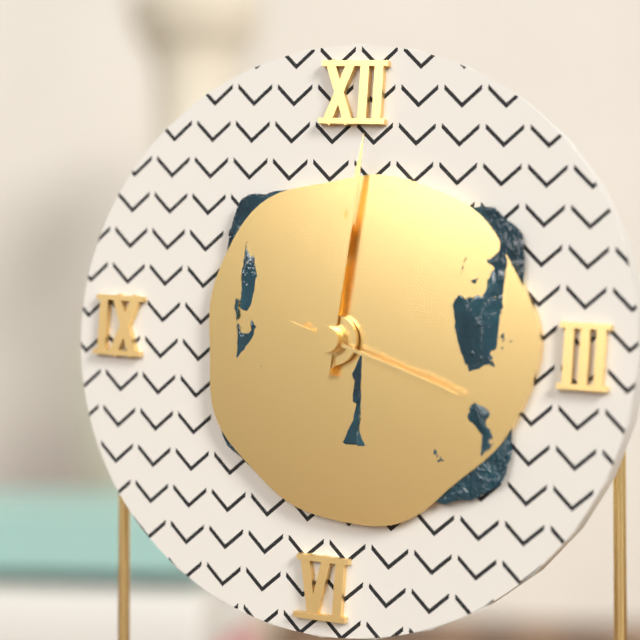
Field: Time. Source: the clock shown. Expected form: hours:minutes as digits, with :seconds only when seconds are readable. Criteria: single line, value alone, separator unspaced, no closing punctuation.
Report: 12:01:18
